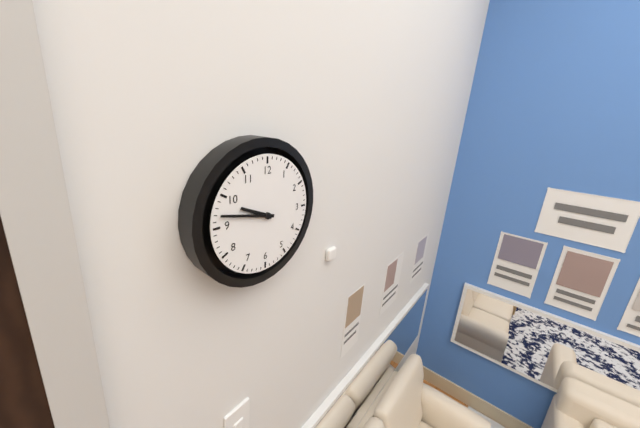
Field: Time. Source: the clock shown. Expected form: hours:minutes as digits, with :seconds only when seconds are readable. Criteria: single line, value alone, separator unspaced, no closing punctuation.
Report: 9:47
